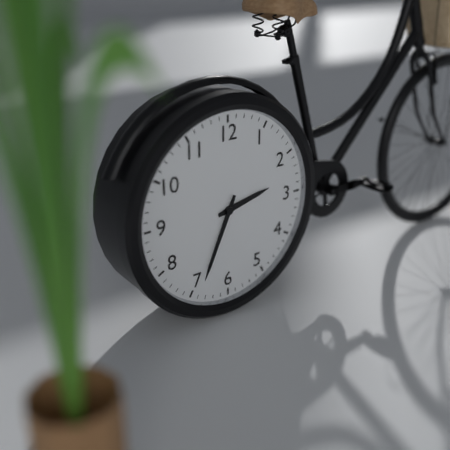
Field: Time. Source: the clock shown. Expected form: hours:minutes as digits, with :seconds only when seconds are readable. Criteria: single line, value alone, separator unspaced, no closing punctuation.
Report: 2:34
